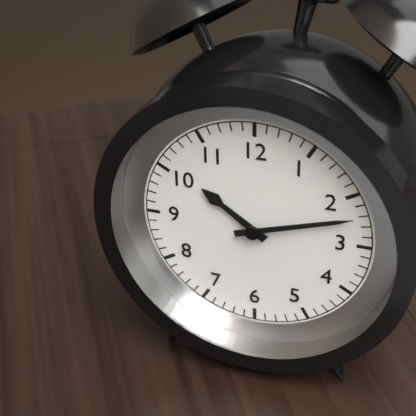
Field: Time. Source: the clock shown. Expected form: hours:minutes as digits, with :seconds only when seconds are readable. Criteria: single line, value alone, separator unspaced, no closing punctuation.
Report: 10:12
